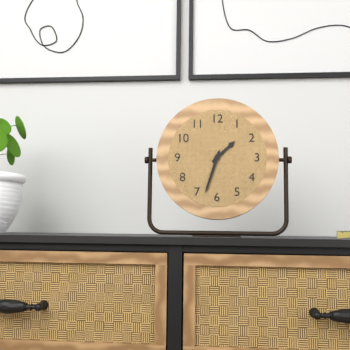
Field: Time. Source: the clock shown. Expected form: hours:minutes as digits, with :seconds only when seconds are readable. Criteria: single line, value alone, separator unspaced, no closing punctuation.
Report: 1:33
